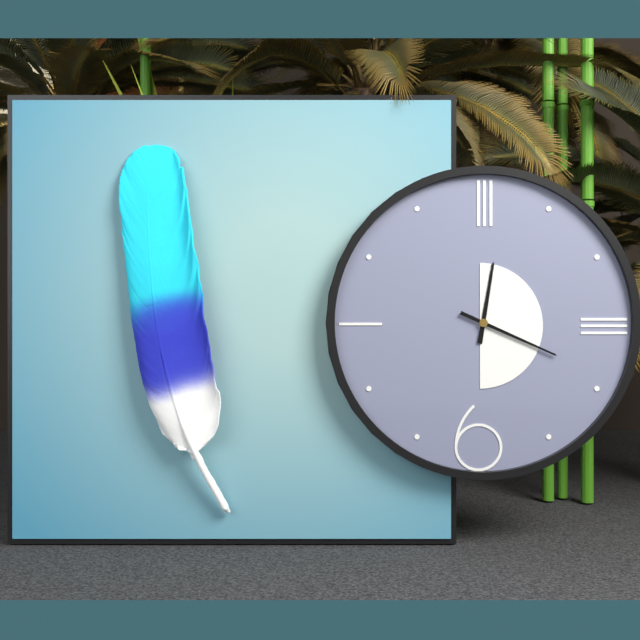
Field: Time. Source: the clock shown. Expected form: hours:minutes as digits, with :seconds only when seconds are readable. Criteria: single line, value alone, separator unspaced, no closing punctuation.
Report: 12:19
